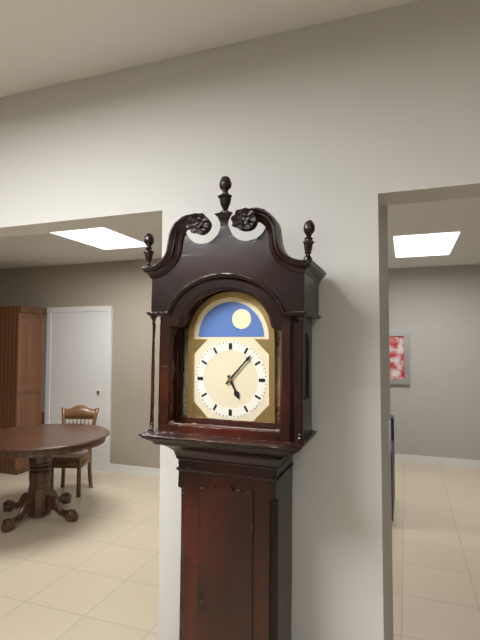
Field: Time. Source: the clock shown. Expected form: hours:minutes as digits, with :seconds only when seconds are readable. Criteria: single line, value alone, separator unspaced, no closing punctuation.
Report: 5:07
